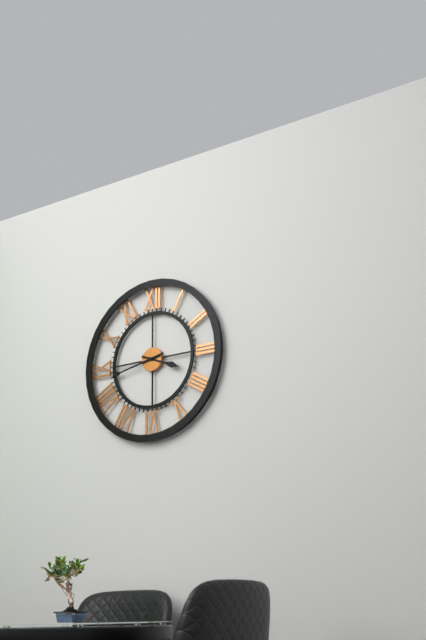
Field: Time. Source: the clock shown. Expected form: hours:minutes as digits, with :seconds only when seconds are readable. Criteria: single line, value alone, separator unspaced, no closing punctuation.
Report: 3:43
